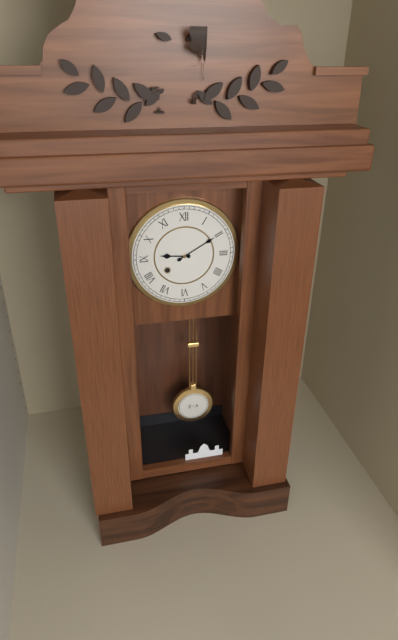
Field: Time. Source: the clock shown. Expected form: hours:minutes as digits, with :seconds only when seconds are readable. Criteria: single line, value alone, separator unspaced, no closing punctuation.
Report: 9:10
